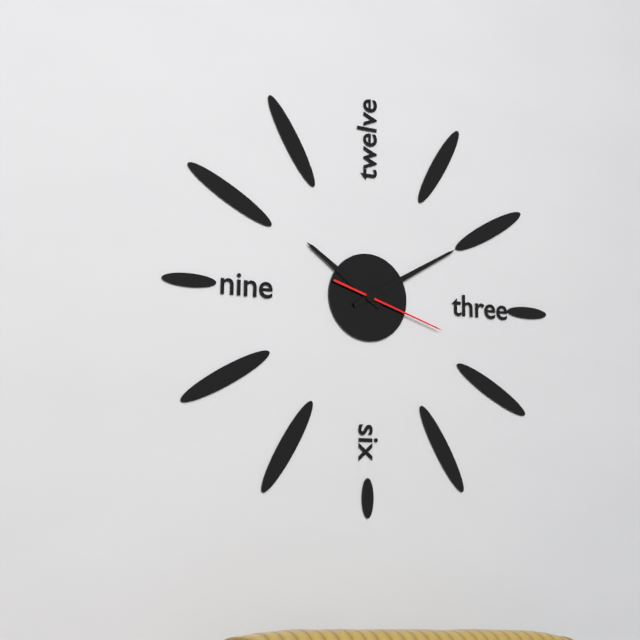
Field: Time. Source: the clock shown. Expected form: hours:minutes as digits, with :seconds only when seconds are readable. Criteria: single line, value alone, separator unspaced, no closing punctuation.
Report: 10:10:18
